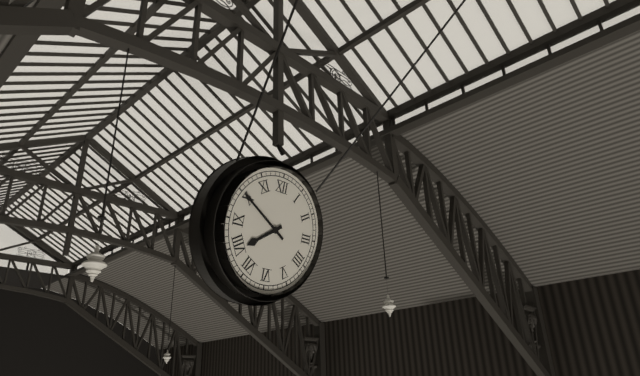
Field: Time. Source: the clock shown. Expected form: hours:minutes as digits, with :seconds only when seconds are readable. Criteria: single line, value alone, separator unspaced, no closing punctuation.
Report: 7:50
